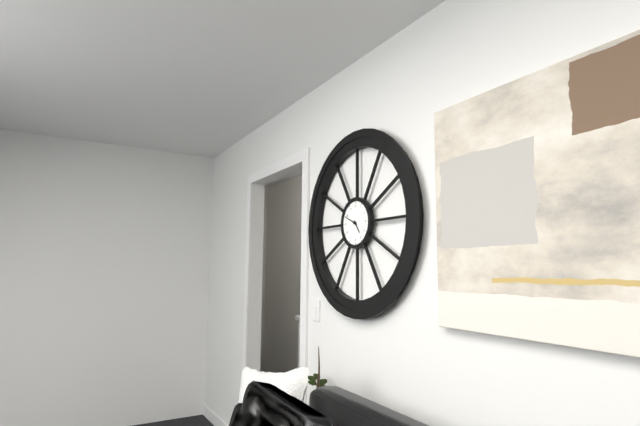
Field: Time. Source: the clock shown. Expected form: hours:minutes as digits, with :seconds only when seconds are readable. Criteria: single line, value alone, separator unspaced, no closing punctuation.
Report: 4:49
